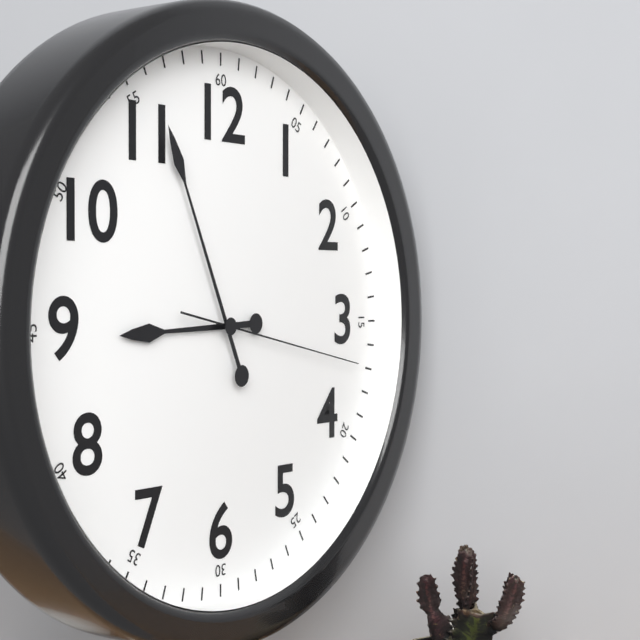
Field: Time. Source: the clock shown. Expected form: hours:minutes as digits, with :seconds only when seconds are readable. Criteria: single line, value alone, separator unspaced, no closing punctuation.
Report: 8:56:17
